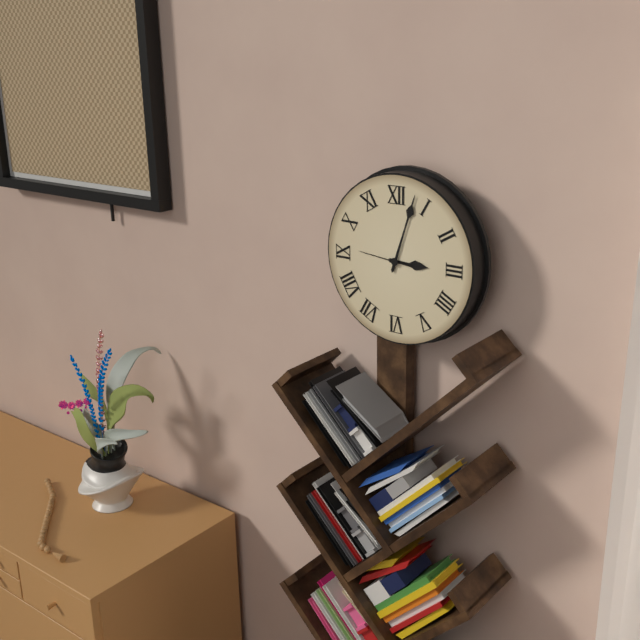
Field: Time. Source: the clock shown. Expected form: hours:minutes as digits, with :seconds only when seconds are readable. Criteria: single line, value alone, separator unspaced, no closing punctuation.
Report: 3:03
